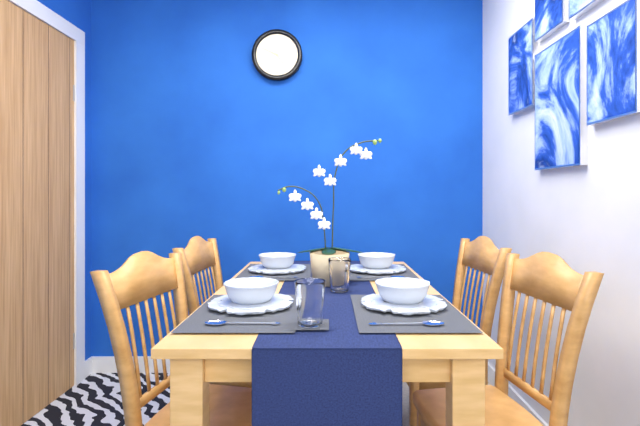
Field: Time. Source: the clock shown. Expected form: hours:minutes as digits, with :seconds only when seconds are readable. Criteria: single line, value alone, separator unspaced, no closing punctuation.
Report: 4:49
